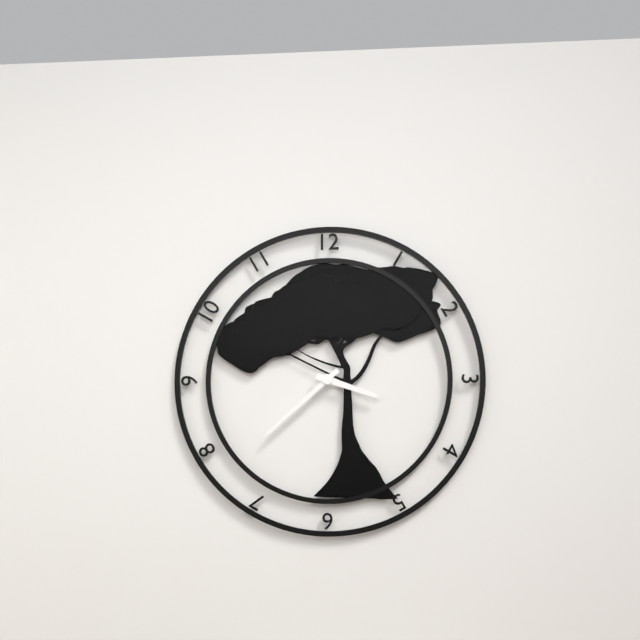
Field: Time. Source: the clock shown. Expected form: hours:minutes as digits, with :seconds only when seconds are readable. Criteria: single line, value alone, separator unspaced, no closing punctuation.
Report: 3:38
